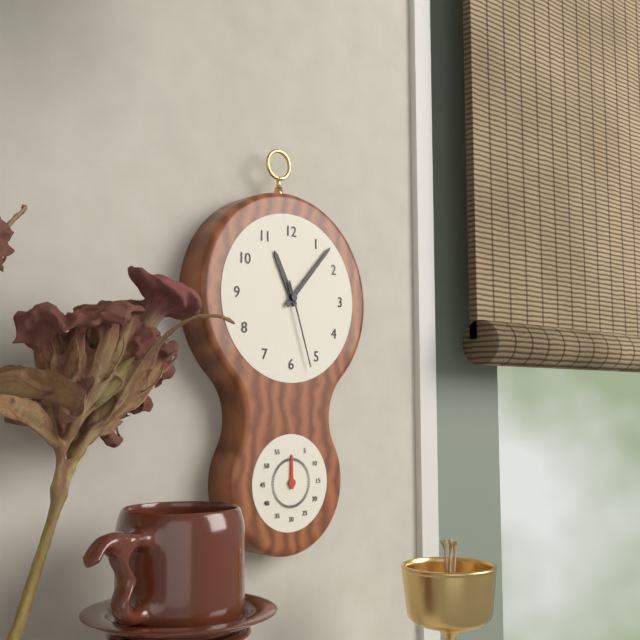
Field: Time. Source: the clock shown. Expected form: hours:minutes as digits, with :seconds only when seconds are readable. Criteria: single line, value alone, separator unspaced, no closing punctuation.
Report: 11:07:27
